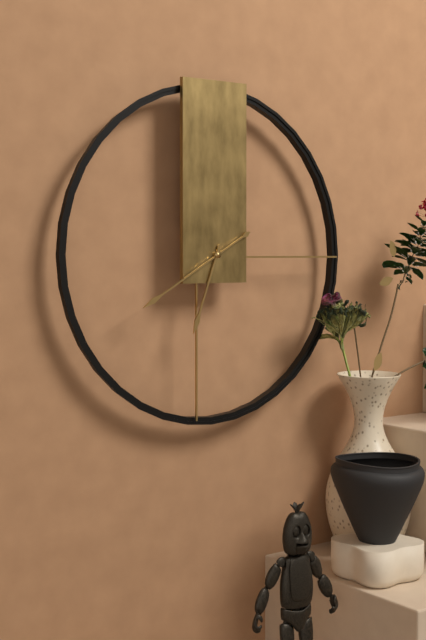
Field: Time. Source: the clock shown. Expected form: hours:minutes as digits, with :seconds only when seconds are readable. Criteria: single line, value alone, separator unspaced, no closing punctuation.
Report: 6:40
